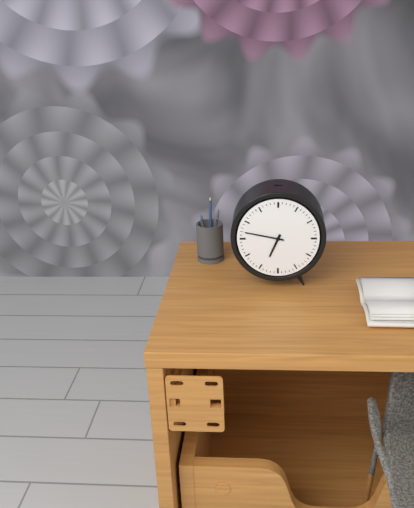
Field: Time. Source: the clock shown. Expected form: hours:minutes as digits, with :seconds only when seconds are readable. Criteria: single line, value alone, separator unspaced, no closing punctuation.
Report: 6:47
